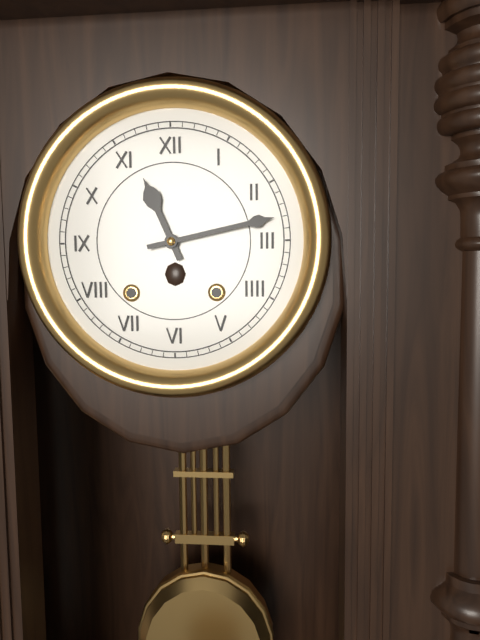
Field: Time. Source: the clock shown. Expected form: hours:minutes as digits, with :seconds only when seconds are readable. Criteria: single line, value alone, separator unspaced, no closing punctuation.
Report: 11:13
